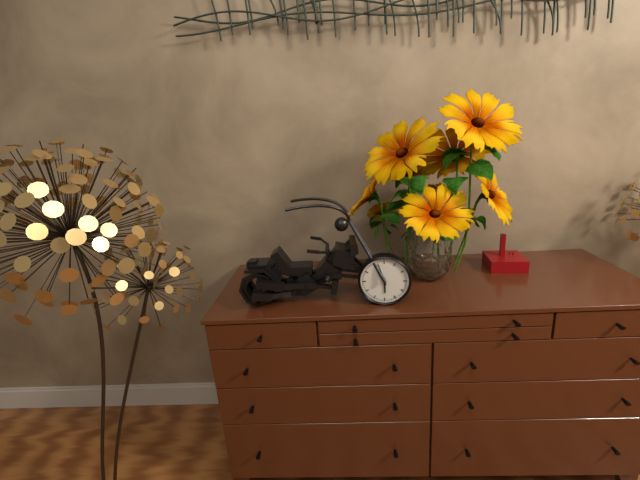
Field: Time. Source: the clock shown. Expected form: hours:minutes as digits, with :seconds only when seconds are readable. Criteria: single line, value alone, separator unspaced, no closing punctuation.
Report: 5:57
